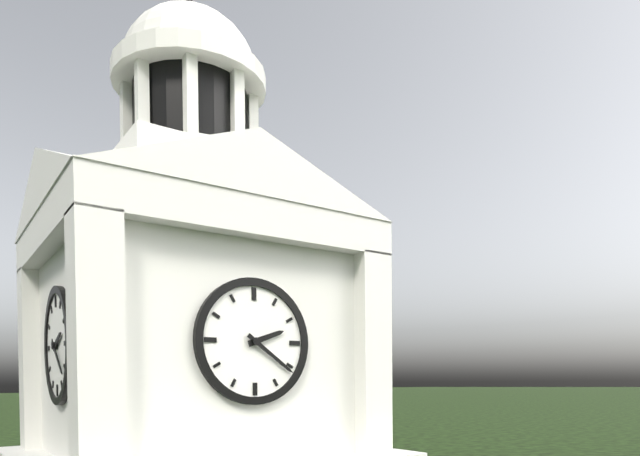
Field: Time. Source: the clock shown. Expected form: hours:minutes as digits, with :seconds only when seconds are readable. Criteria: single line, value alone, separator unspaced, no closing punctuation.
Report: 2:21
